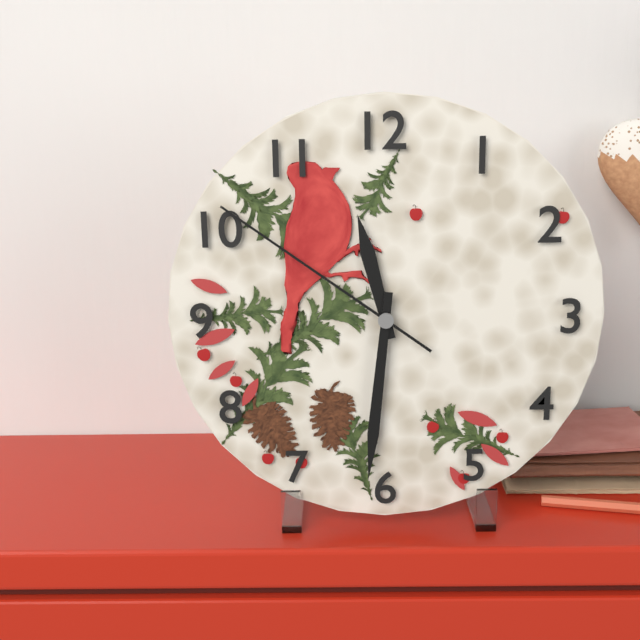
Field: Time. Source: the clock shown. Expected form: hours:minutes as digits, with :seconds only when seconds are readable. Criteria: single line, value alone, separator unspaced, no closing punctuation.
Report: 11:31:51
